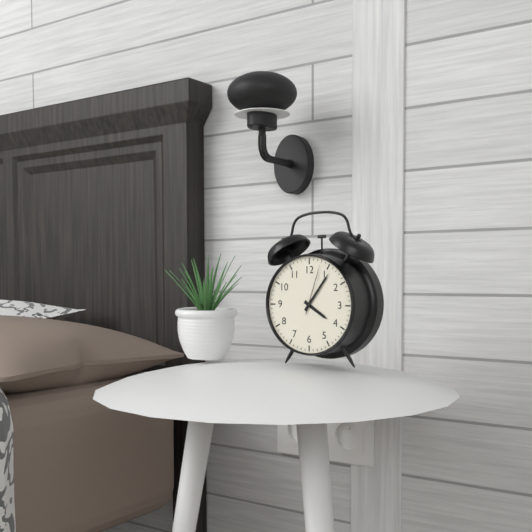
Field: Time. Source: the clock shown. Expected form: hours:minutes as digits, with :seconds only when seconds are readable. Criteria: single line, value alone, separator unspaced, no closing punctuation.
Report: 4:06:03
